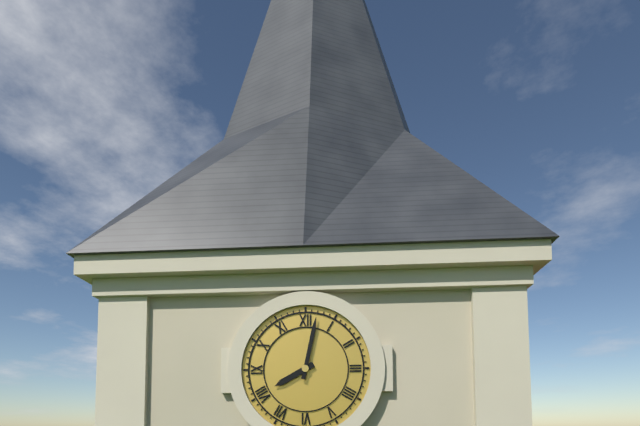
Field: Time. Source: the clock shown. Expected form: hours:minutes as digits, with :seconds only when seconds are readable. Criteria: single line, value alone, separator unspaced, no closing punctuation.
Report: 8:02
